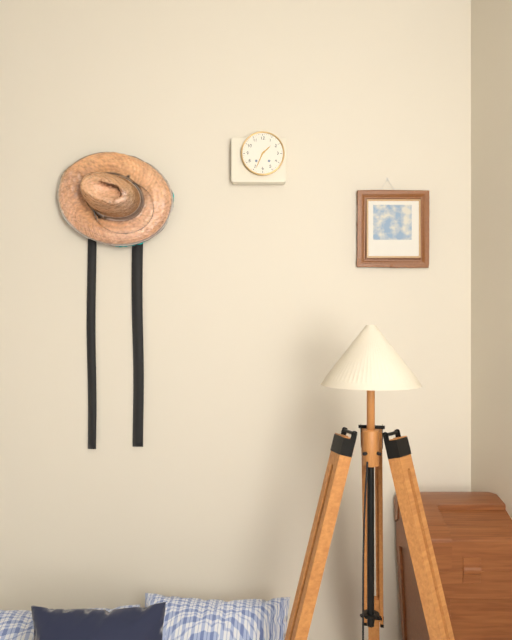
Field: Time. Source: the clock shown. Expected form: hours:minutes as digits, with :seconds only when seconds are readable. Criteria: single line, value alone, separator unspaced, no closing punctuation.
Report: 1:34
